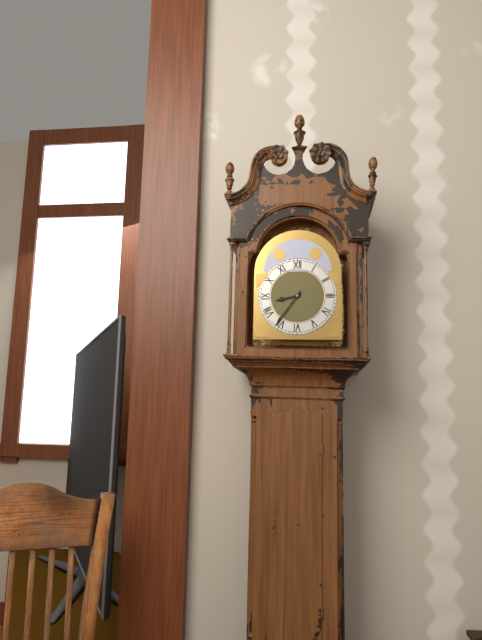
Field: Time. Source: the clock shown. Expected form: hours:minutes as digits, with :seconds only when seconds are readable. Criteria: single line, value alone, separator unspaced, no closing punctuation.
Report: 8:36
